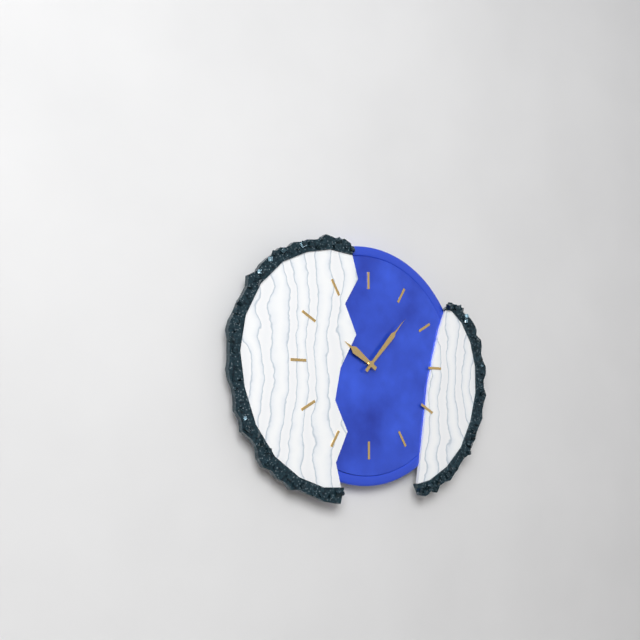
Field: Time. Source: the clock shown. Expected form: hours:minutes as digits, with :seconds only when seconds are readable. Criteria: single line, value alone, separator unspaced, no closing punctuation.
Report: 10:07
